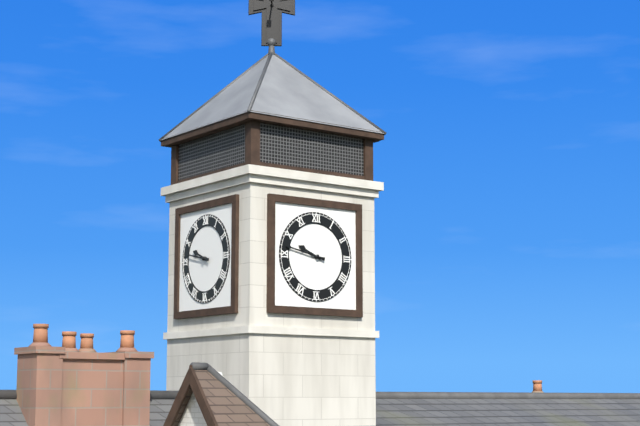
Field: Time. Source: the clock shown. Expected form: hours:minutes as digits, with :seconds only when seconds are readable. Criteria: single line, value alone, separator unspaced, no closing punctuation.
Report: 9:47
